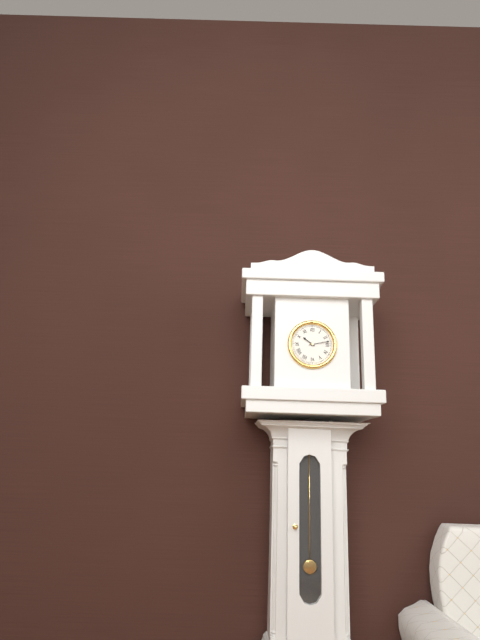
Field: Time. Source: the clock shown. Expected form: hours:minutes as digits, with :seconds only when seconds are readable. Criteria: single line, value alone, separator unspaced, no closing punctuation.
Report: 10:13
